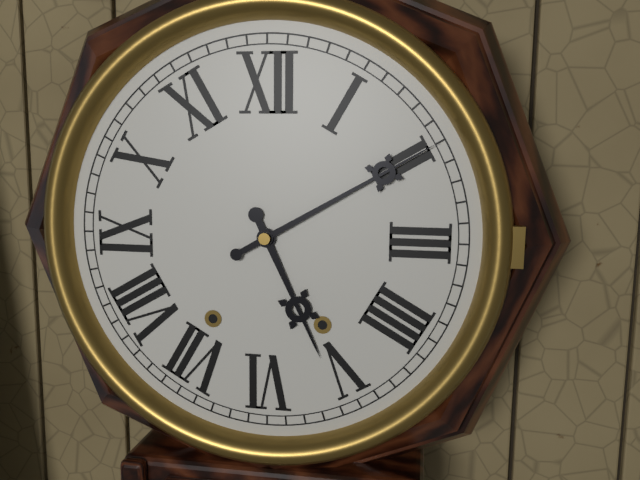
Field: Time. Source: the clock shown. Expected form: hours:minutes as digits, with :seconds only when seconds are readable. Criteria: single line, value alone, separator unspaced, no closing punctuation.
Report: 5:10
